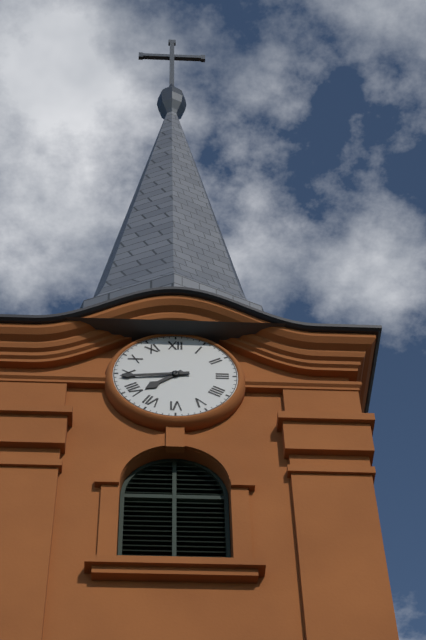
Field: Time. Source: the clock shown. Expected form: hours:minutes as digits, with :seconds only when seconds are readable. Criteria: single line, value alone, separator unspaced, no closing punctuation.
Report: 7:44
